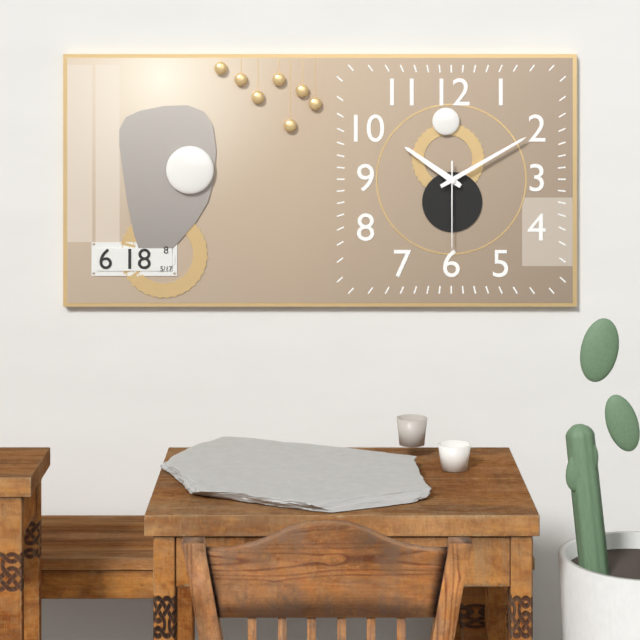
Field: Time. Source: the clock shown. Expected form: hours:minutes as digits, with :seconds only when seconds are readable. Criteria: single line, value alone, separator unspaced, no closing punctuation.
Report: 10:10:30
